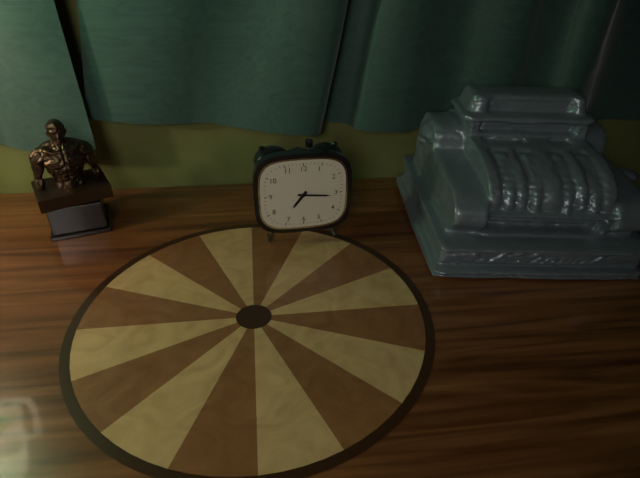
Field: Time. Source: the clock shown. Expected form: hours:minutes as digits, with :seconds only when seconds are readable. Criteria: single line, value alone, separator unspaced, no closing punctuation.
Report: 7:16
